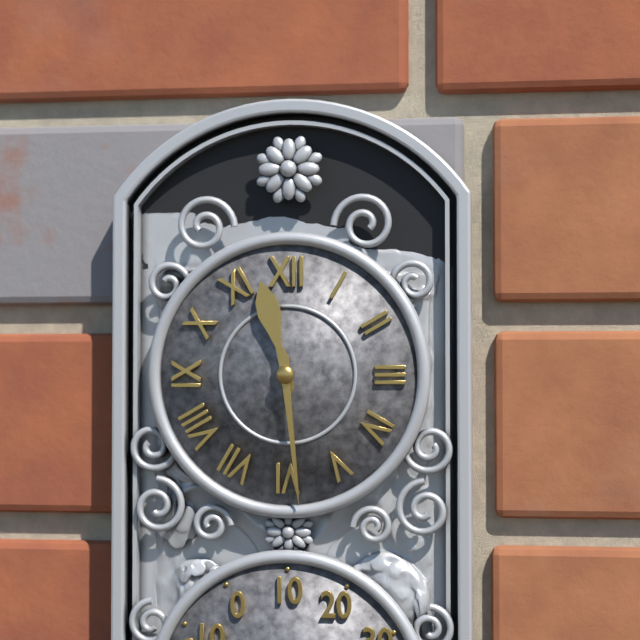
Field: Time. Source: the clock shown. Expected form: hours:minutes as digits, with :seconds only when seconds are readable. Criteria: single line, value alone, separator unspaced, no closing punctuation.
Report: 11:29
